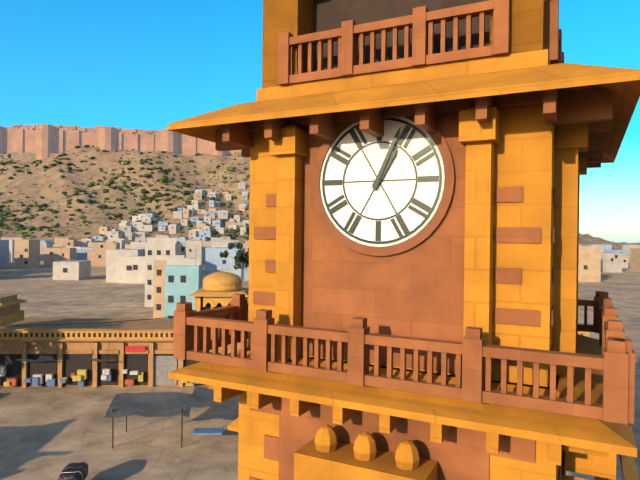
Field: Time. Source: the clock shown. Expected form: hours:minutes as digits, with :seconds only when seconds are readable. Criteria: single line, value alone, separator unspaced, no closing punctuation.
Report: 1:04
